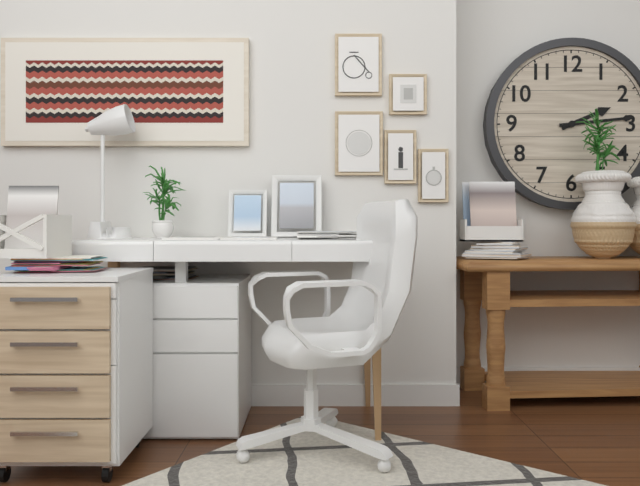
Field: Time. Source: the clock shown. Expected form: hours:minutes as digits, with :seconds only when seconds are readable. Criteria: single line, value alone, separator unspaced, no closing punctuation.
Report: 2:14
